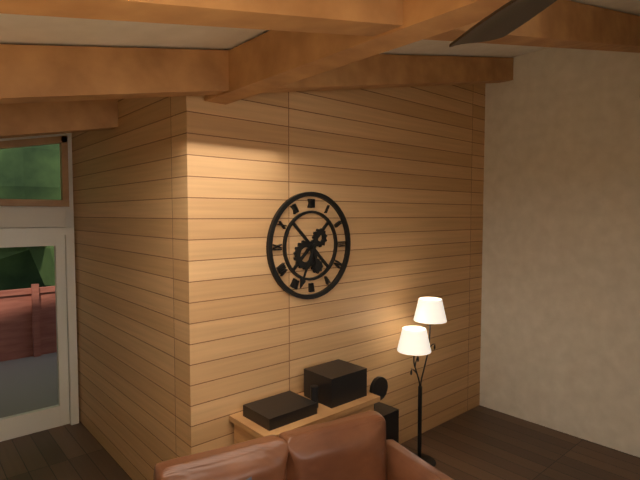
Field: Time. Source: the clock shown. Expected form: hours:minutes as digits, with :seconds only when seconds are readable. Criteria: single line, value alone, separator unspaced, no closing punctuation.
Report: 5:34
